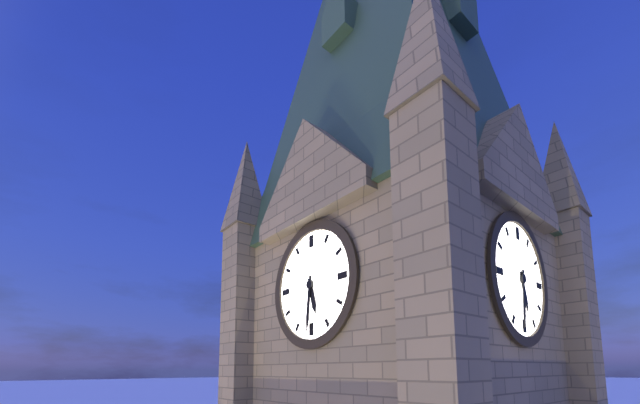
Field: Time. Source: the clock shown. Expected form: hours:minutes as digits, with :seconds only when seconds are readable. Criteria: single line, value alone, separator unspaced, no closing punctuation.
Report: 5:31
